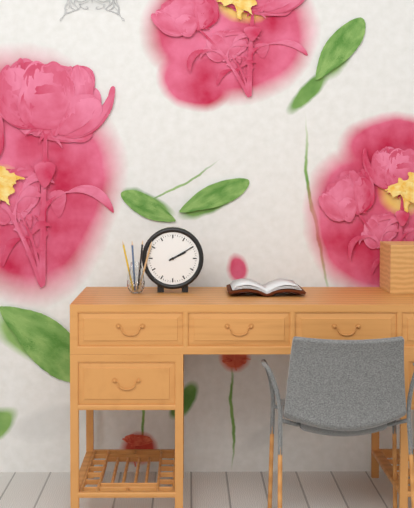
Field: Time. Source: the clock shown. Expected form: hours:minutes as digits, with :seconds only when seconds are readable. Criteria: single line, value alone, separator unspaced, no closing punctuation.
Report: 2:10
